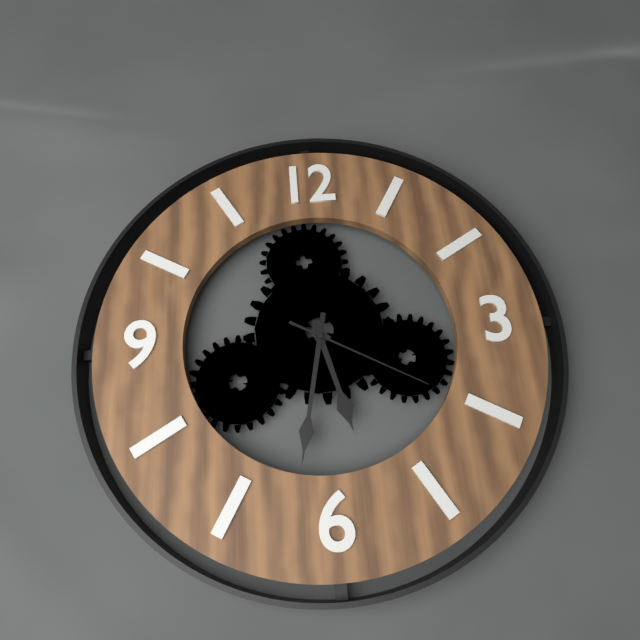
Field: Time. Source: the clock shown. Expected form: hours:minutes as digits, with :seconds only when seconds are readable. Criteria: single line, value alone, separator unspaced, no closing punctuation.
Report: 5:32:20
